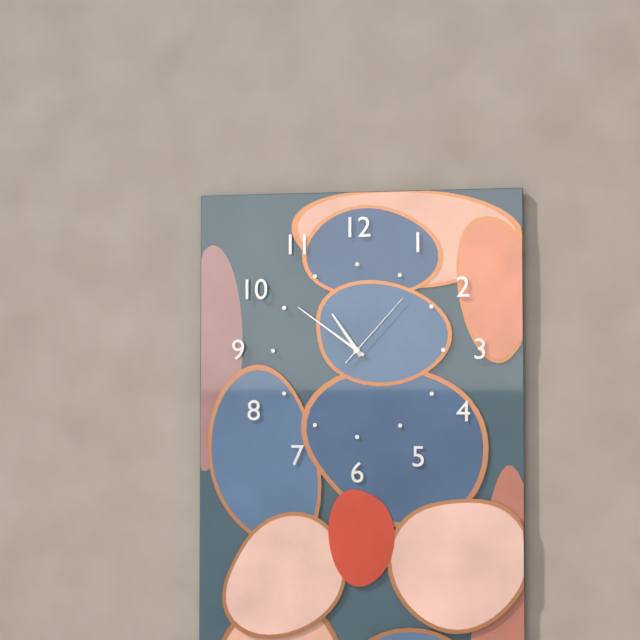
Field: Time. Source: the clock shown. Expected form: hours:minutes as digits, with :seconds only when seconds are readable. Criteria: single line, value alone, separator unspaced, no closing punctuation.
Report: 10:51:07
